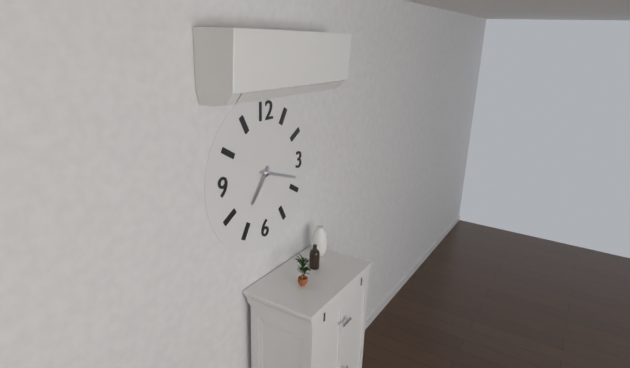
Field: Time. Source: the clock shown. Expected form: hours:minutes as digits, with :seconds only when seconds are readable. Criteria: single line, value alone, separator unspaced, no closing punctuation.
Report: 7:18
